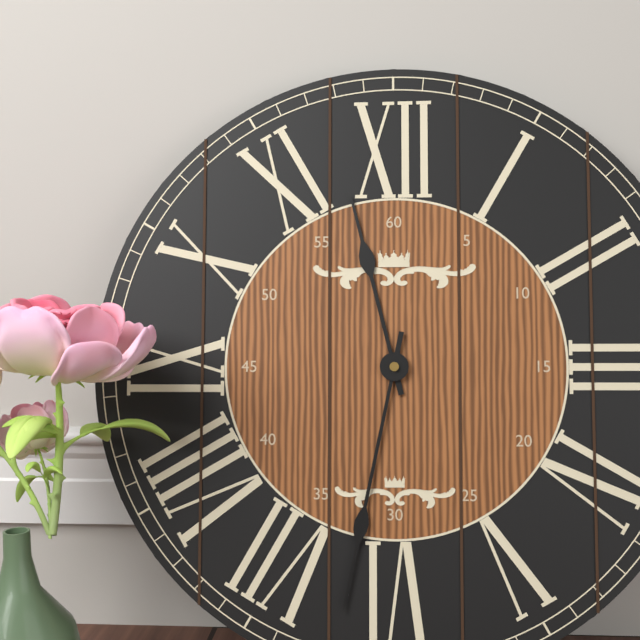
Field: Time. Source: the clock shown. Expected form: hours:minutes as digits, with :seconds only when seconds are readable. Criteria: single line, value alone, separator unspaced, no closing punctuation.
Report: 11:32
